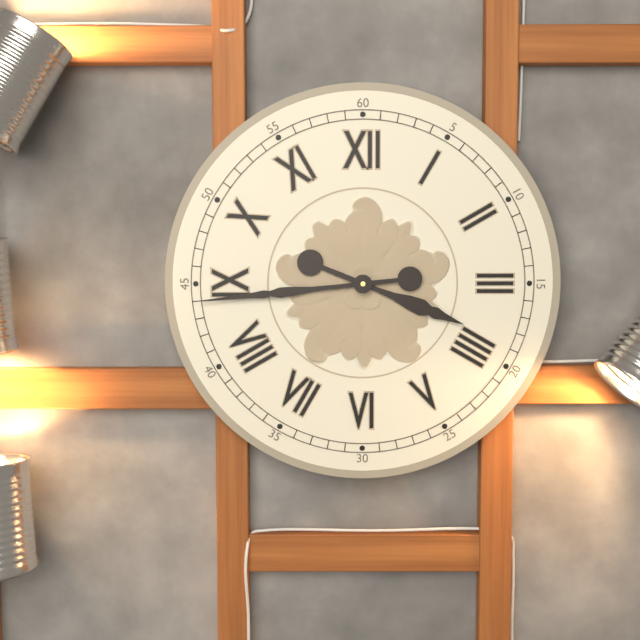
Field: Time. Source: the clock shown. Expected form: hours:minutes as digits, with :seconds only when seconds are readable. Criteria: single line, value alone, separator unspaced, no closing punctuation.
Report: 3:44
